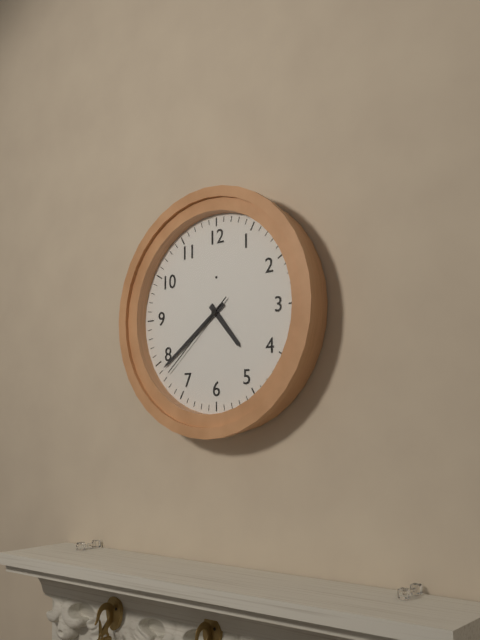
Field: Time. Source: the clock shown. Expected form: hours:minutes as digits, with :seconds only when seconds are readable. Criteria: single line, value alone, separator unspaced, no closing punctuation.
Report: 4:39:38
